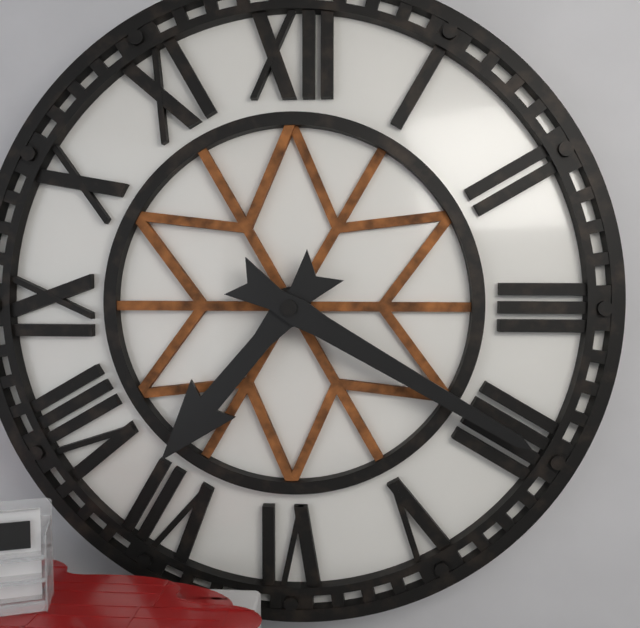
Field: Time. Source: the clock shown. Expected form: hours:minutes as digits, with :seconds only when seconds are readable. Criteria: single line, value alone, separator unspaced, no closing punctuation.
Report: 7:20
